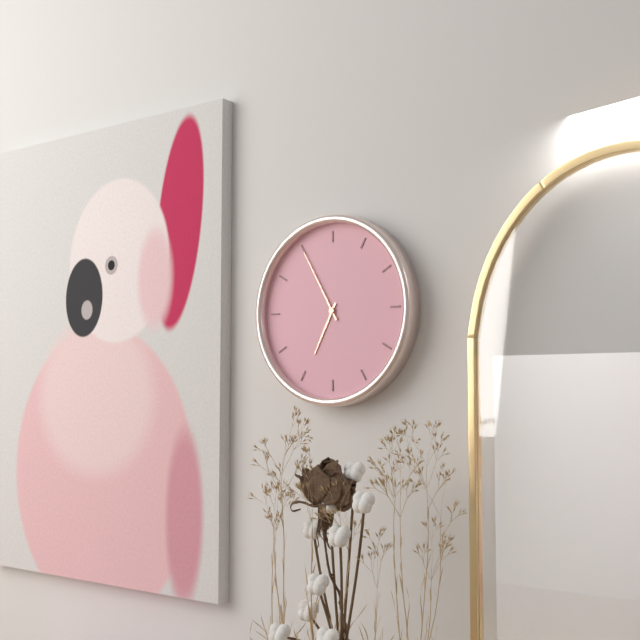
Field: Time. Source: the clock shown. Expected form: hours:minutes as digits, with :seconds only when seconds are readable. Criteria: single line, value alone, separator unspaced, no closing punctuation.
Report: 6:55
